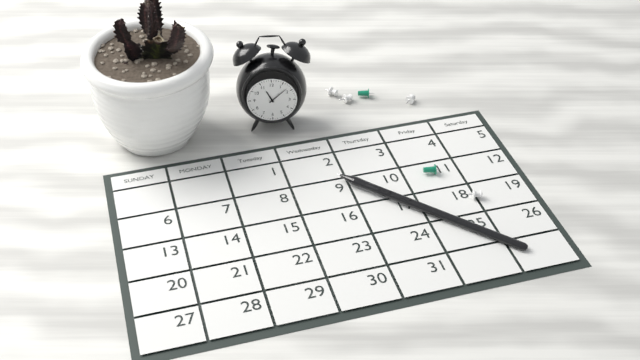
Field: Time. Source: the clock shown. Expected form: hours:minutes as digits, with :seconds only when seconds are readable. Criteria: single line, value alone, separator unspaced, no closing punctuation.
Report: 11:08
